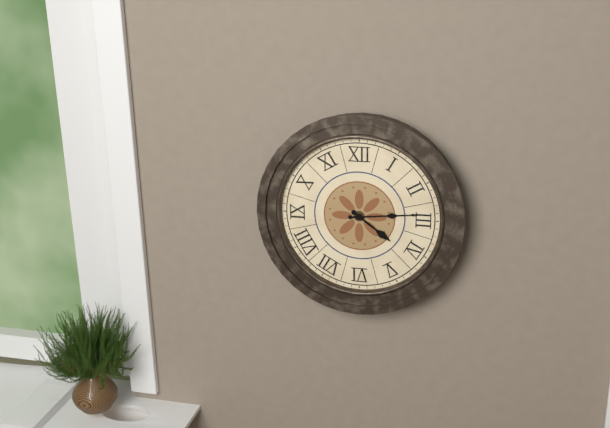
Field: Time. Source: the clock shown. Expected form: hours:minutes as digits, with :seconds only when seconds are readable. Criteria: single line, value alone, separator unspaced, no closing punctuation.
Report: 4:14
